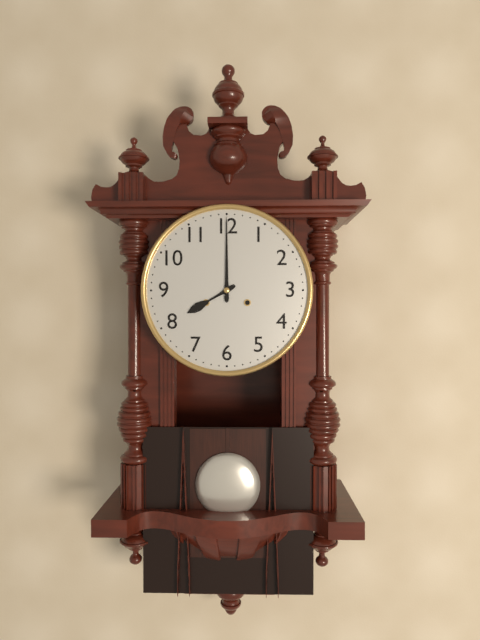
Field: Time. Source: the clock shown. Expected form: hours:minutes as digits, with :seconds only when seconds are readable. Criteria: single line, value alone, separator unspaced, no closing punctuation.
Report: 8:00
